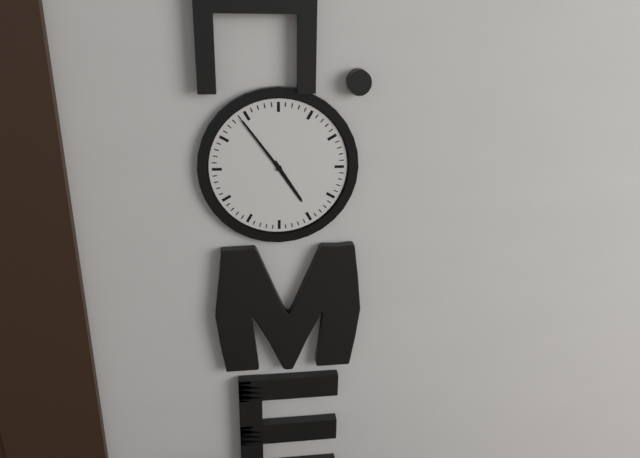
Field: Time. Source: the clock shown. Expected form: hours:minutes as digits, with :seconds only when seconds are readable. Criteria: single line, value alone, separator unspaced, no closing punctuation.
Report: 4:54
